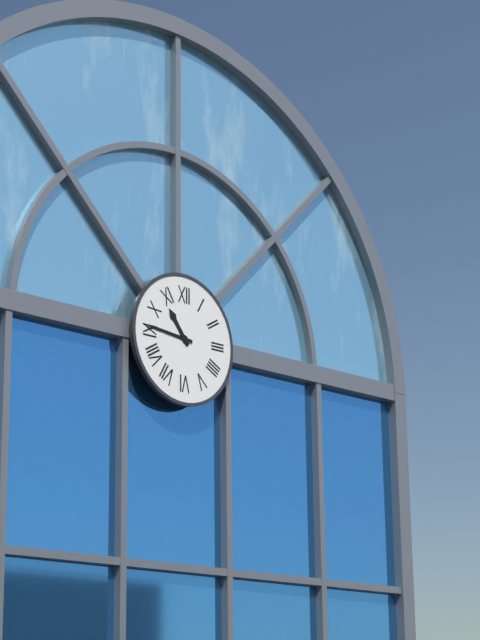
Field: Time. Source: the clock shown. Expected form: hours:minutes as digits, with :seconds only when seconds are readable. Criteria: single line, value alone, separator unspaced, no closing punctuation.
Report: 10:46
